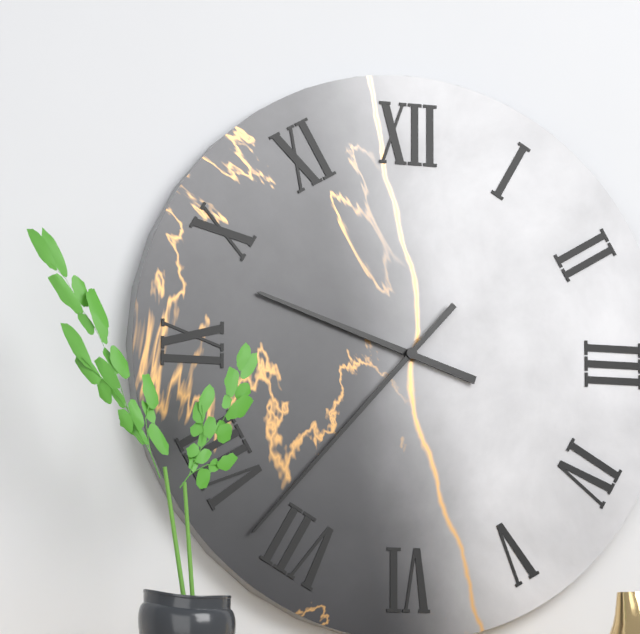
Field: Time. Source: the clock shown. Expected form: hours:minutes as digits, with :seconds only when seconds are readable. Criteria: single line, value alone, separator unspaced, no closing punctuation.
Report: 9:37
